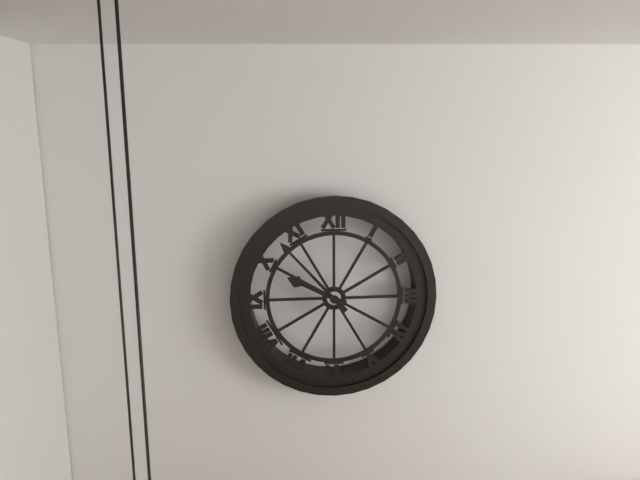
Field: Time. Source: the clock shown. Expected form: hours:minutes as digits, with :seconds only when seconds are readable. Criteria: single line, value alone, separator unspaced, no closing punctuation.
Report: 9:53
